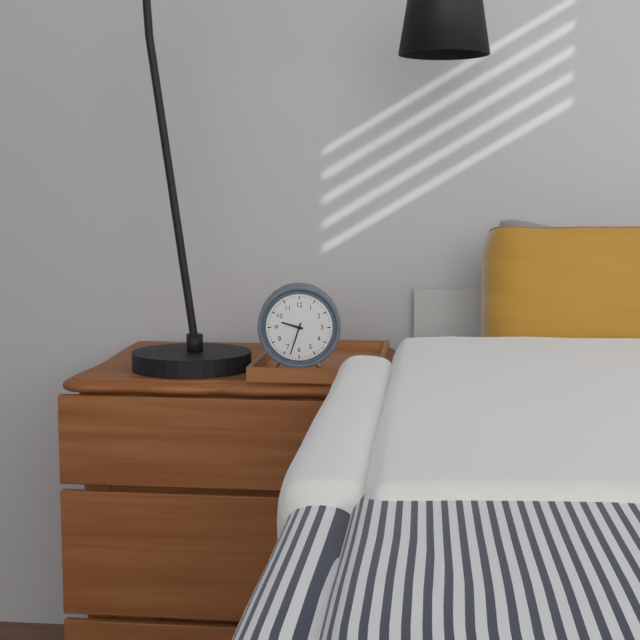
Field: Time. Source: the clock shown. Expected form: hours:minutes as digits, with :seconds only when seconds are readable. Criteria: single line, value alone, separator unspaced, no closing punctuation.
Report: 9:33
